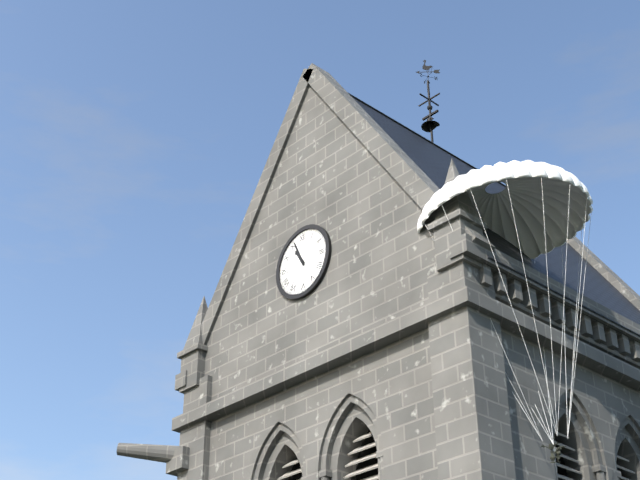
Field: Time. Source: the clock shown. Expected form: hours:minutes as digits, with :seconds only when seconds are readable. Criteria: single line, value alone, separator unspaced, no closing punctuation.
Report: 10:56
